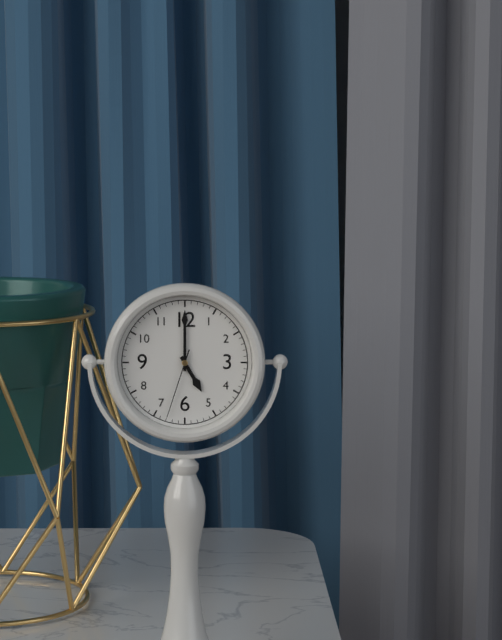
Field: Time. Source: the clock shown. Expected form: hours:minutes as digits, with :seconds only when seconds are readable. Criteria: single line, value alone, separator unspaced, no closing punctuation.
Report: 5:00:33
